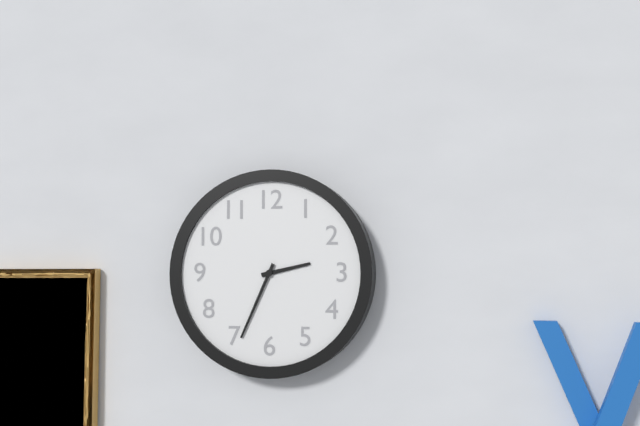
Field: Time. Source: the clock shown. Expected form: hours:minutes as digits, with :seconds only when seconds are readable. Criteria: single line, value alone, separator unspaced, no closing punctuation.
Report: 2:34
